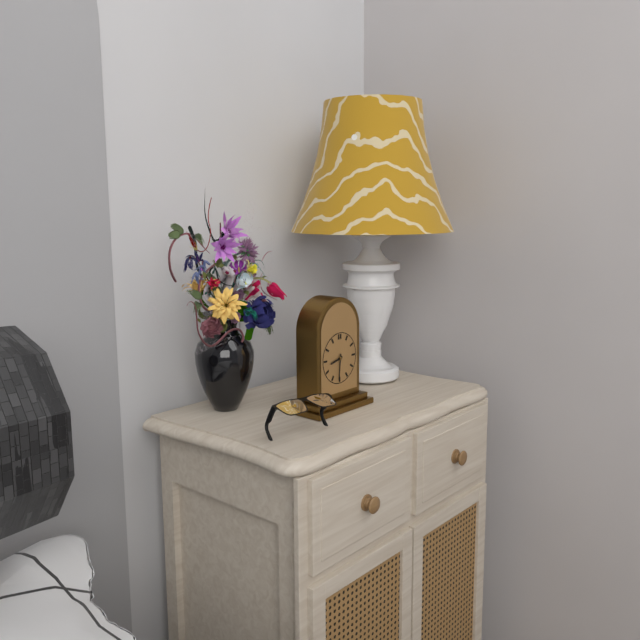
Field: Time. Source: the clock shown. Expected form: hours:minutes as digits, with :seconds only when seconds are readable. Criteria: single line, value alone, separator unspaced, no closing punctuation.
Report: 8:31
